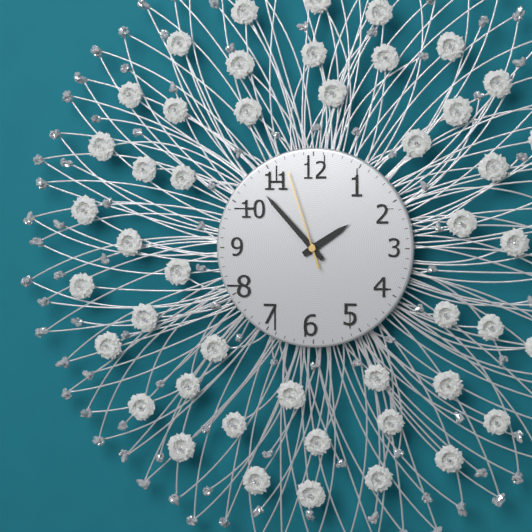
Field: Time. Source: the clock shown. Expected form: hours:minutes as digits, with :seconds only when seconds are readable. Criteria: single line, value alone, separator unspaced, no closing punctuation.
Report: 1:53:57
